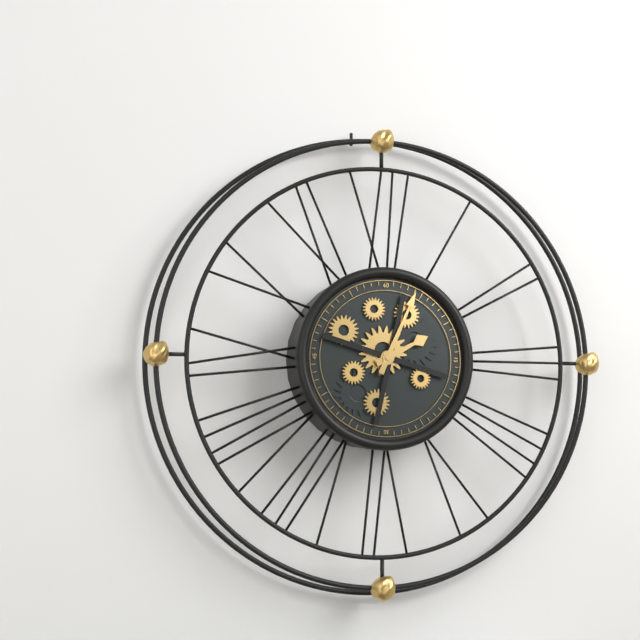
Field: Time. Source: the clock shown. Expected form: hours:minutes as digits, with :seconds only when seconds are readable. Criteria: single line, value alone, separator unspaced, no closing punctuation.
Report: 2:04
